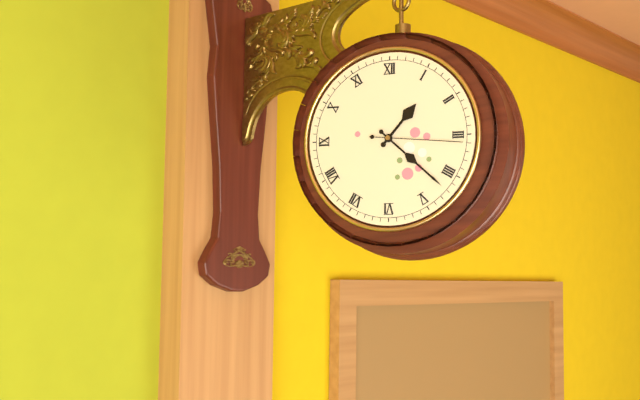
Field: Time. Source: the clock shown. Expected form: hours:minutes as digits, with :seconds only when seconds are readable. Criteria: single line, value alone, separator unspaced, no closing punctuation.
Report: 1:22:16
